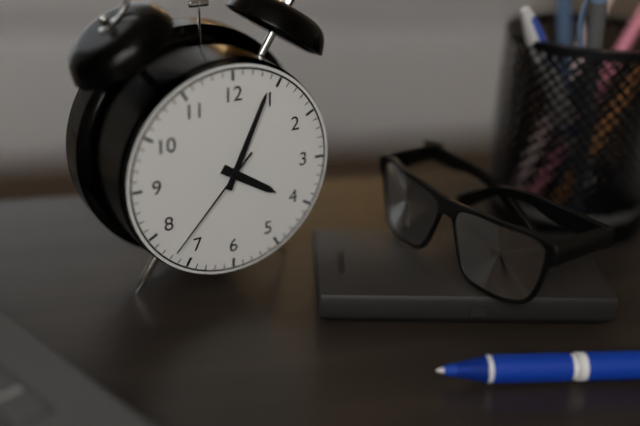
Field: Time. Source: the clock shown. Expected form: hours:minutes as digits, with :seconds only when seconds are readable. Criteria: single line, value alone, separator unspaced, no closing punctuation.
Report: 4:04:37
